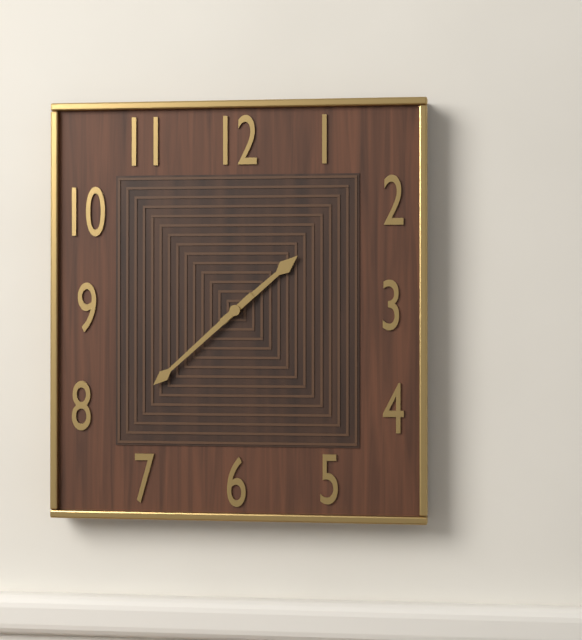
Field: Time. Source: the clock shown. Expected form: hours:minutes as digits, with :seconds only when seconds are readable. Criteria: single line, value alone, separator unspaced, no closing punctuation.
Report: 1:38
